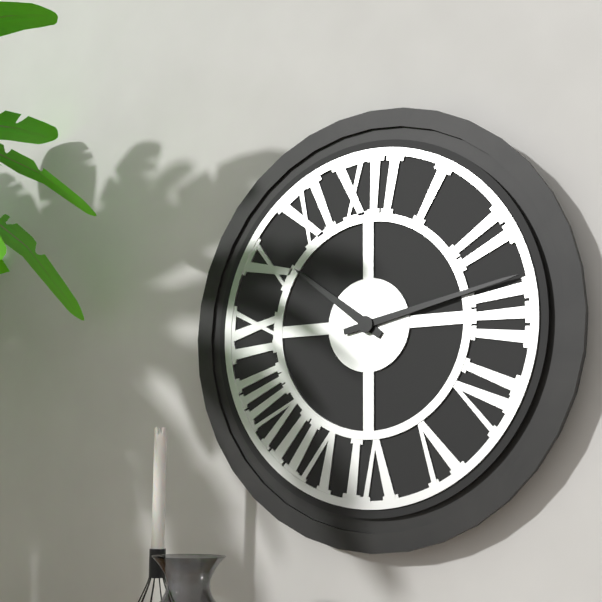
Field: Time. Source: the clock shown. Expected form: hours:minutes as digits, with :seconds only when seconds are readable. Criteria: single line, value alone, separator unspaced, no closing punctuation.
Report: 10:13
